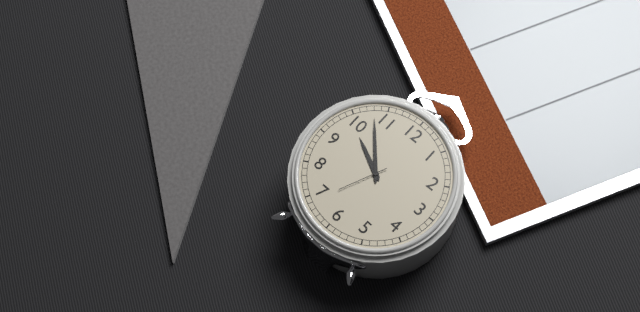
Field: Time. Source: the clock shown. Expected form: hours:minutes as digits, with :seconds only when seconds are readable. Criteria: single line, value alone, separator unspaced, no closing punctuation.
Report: 9:53:34
